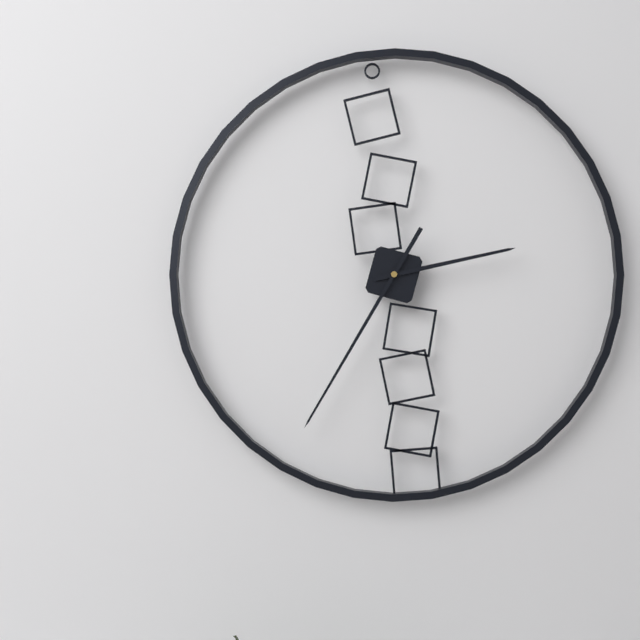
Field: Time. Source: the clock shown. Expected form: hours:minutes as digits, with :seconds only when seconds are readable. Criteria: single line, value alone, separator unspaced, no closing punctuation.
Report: 2:35
